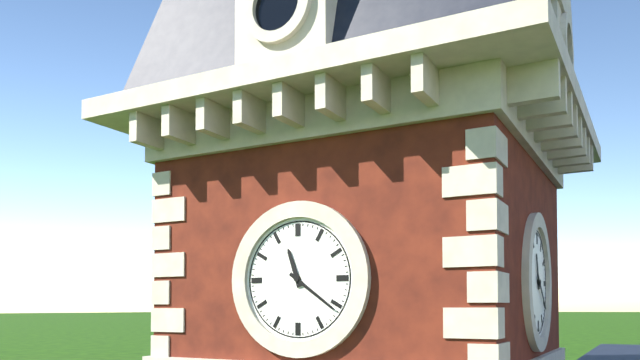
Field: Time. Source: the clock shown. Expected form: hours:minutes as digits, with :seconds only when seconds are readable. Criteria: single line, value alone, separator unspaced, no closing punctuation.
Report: 11:21
